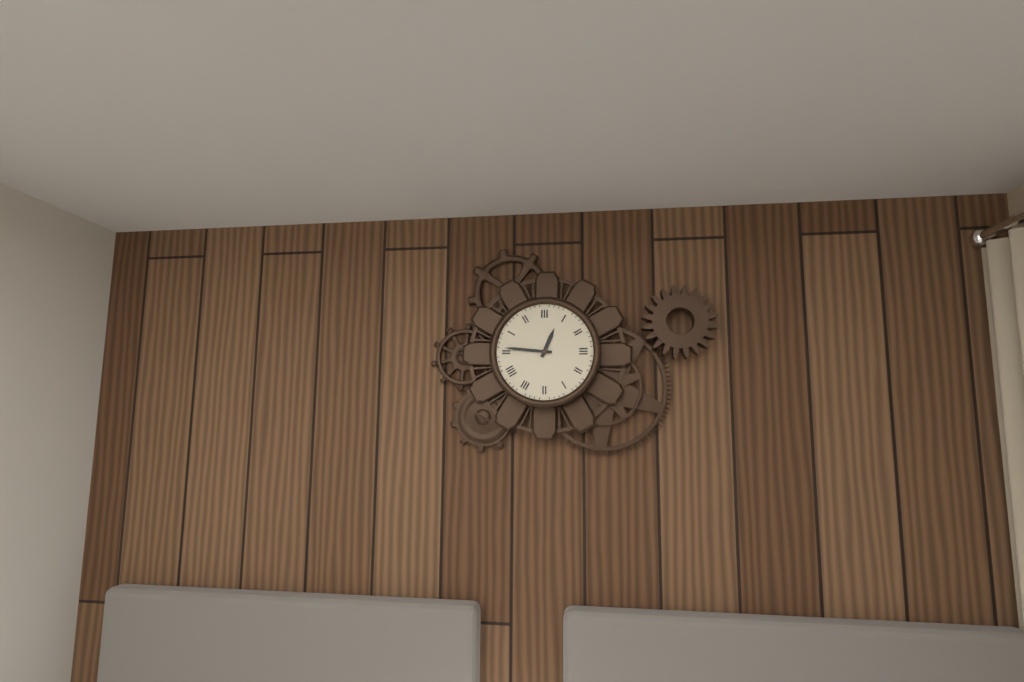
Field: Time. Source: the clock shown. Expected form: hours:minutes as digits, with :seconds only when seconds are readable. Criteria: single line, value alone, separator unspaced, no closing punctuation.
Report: 12:46
